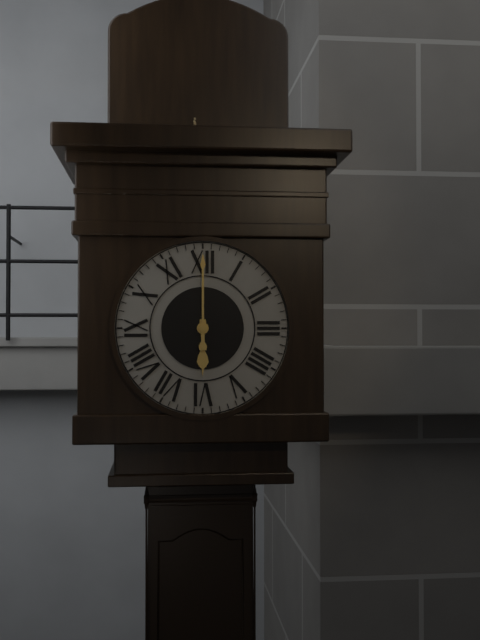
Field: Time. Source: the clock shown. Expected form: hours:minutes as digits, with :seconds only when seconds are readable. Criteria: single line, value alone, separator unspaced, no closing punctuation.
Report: 6:00
